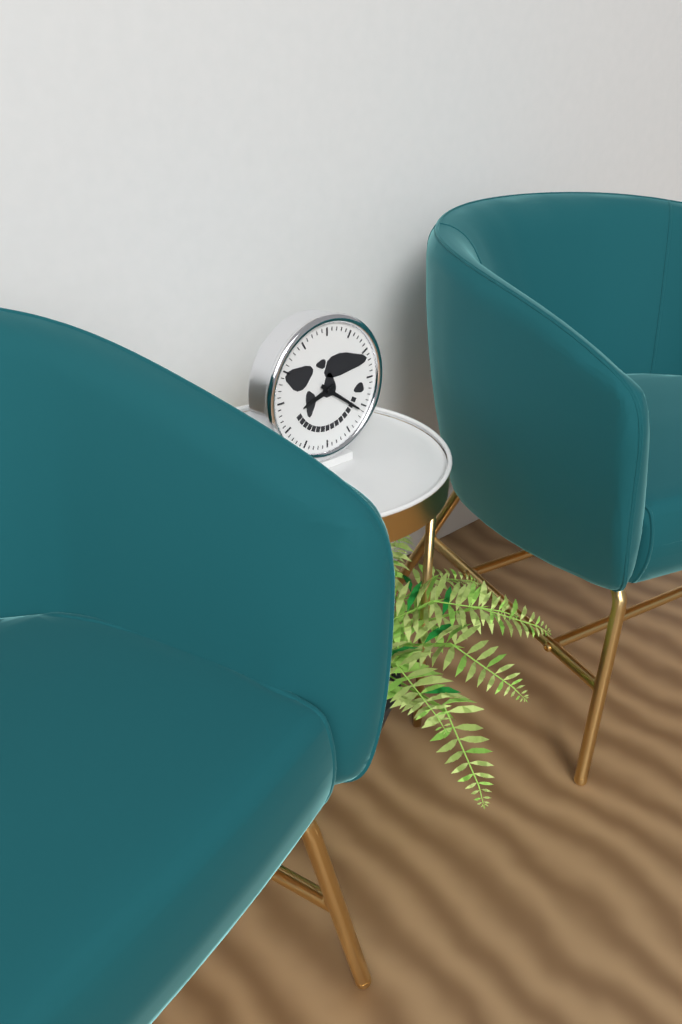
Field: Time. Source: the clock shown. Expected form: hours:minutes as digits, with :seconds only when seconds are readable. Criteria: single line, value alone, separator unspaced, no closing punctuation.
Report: 8:21
